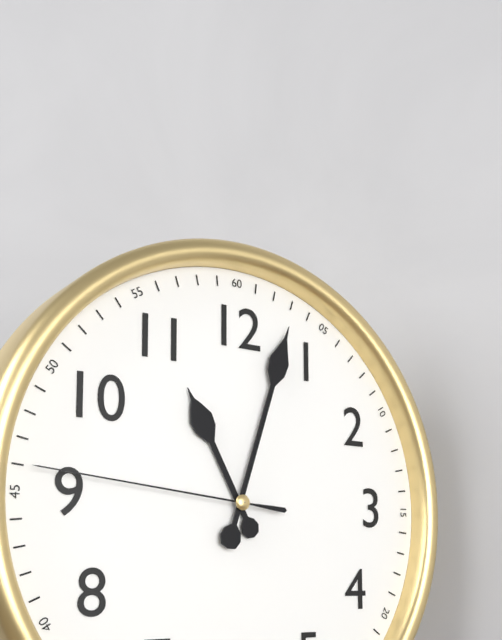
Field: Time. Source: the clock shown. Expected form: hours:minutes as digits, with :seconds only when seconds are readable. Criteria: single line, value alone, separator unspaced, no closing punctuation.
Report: 11:03:46
